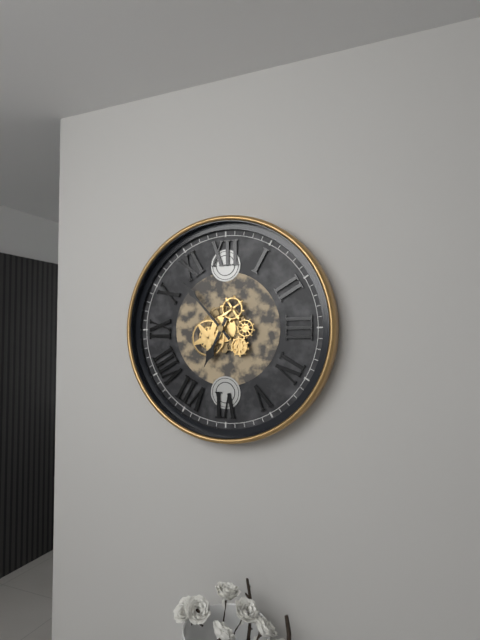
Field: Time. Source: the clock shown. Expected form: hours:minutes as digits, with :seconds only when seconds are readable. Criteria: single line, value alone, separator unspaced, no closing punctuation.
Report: 6:53
